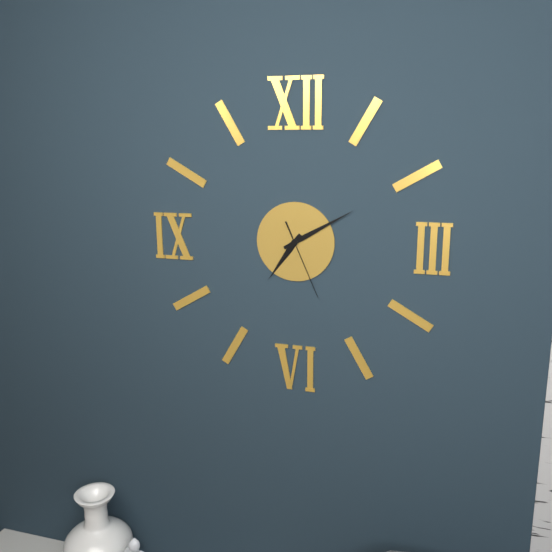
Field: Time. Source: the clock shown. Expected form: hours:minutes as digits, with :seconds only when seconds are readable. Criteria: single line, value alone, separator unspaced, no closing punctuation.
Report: 7:10:26
